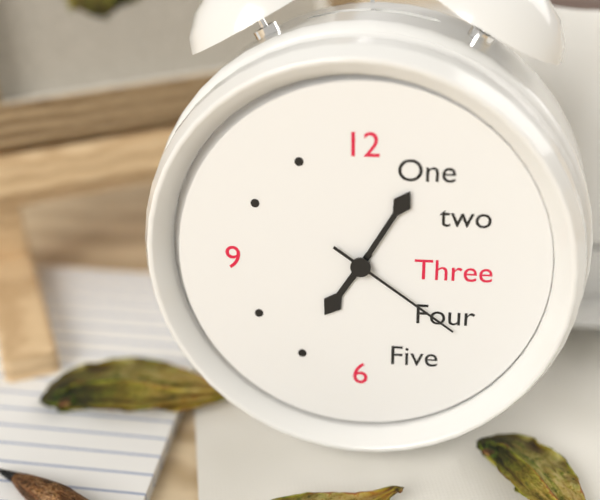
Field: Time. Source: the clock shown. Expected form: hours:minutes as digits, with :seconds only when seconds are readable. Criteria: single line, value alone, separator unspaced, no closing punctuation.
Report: 7:05:21
